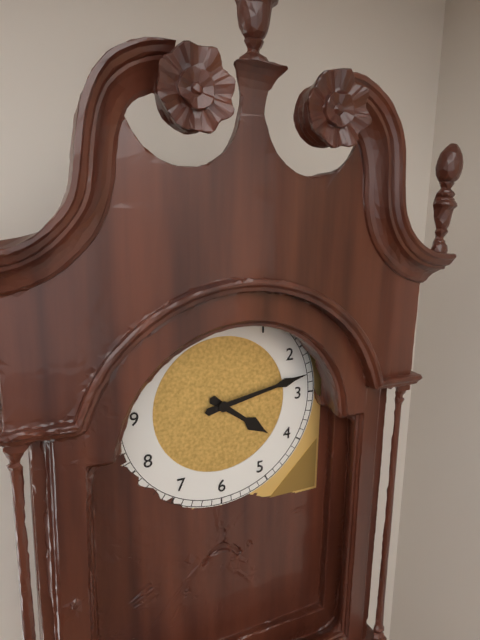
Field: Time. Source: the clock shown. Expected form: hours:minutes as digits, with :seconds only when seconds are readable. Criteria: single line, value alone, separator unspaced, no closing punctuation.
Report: 4:13
